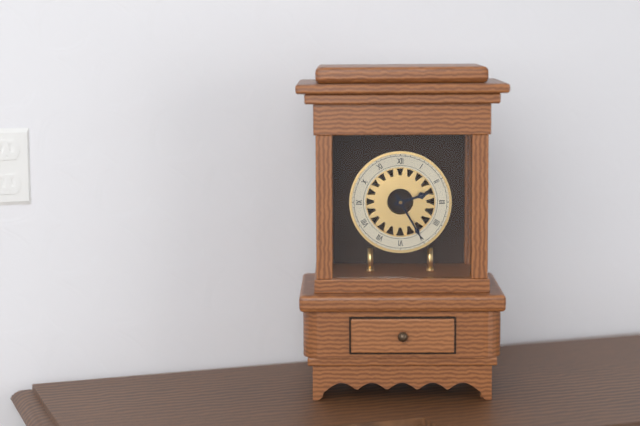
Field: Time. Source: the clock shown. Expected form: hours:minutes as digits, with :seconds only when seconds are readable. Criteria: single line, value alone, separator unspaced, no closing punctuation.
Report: 2:25
